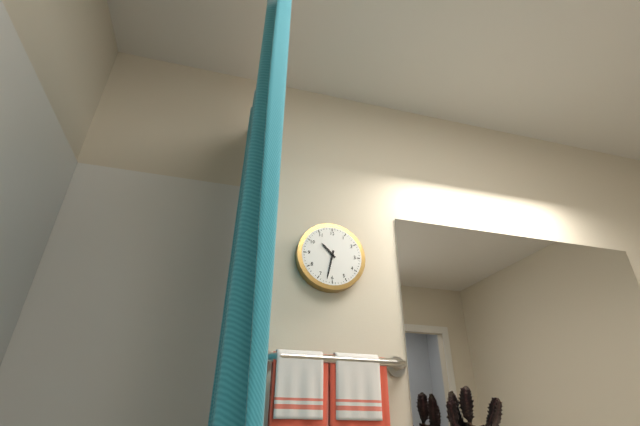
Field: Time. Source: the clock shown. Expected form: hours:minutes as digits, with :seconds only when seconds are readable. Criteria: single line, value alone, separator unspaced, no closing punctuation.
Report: 10:32
